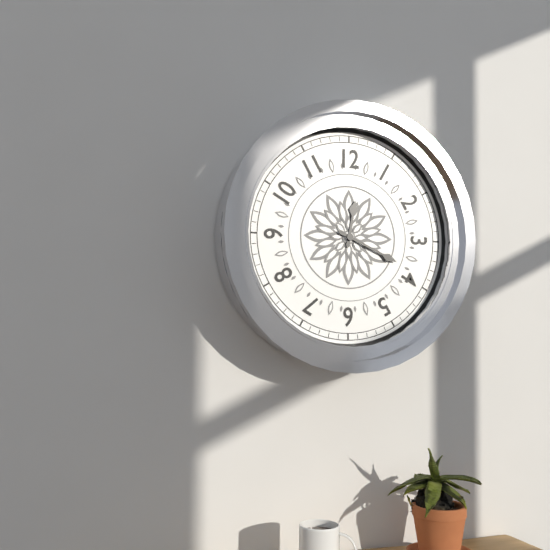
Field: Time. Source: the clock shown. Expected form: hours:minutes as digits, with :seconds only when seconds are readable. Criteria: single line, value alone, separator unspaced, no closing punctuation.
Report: 12:19
